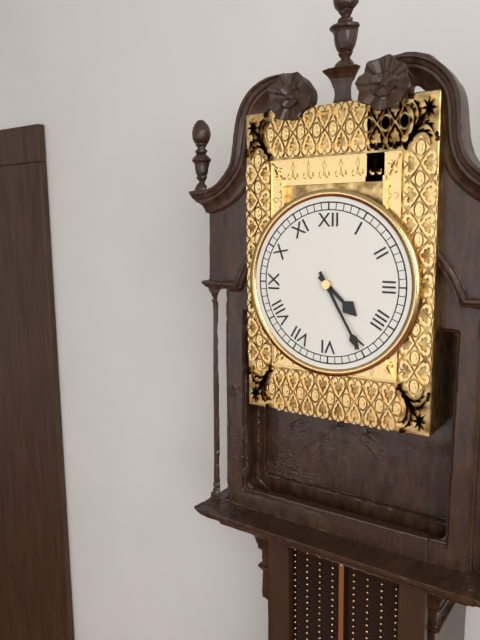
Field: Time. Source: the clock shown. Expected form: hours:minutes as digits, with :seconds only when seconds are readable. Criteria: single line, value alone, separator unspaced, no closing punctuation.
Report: 4:25
